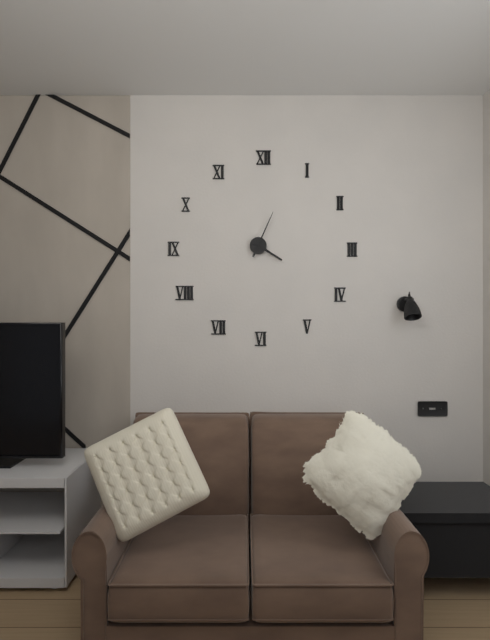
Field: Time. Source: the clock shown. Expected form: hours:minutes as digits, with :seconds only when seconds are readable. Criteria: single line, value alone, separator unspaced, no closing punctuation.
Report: 4:04
